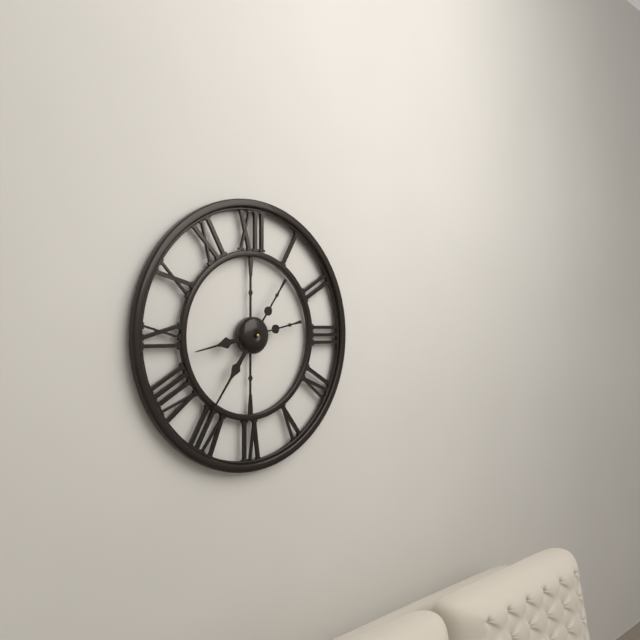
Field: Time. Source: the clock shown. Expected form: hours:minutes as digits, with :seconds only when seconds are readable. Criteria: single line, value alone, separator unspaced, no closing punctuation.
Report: 8:36
